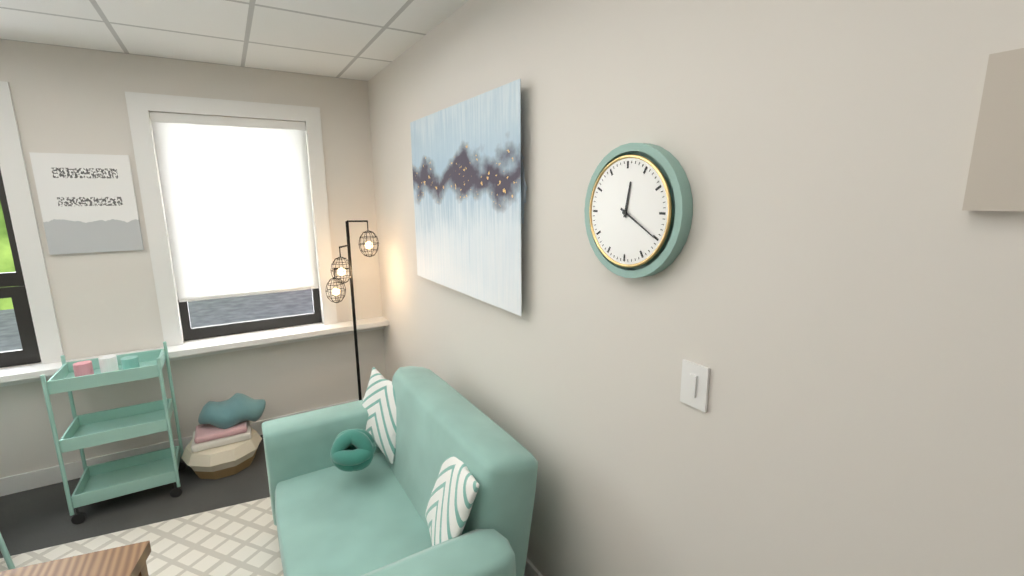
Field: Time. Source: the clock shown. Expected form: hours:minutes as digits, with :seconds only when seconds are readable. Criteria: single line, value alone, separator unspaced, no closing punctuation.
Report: 12:20
